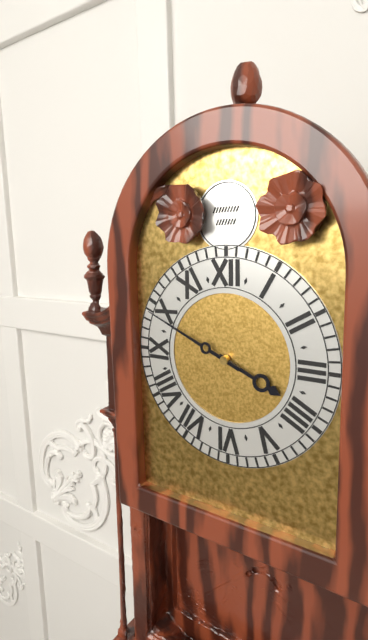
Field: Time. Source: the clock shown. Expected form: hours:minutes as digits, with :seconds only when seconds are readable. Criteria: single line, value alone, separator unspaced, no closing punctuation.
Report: 3:49
